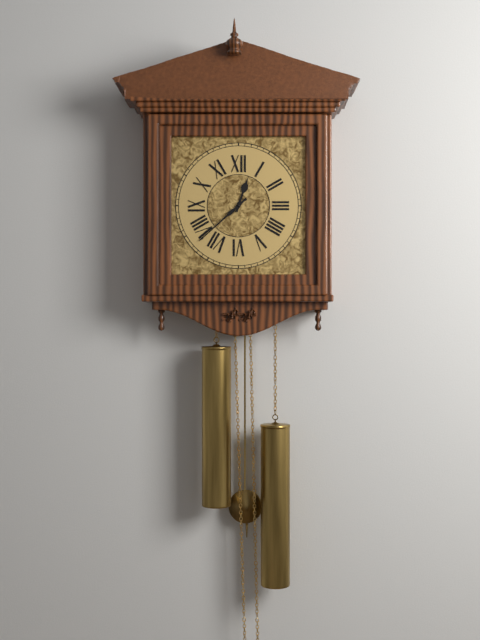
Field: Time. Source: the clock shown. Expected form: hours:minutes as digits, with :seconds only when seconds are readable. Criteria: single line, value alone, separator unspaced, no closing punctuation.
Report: 12:38
